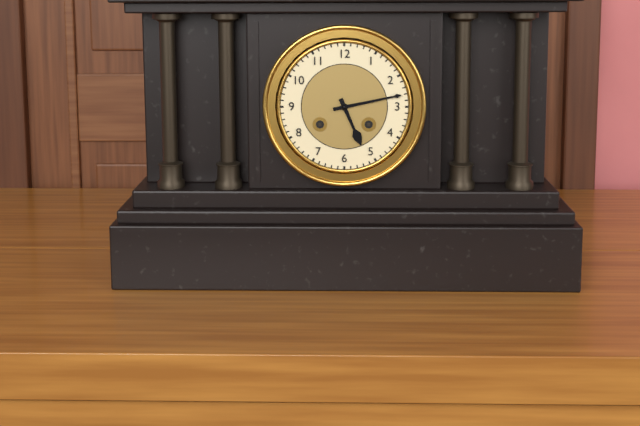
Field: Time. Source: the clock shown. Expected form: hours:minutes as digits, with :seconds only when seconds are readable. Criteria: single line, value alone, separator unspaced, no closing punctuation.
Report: 5:13
